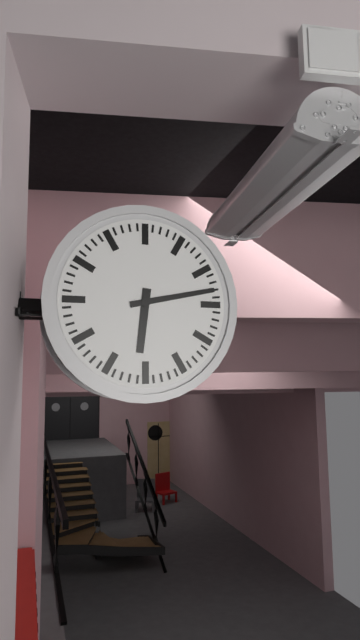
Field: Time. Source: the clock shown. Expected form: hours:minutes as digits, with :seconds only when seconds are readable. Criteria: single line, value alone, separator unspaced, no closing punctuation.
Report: 6:13
